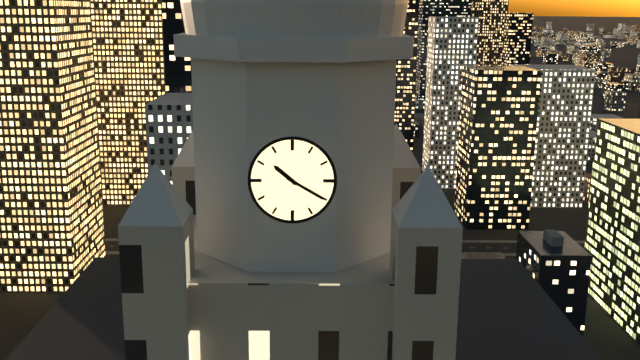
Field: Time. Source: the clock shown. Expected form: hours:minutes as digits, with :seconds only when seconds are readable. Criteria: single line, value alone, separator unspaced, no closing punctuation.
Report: 10:20
